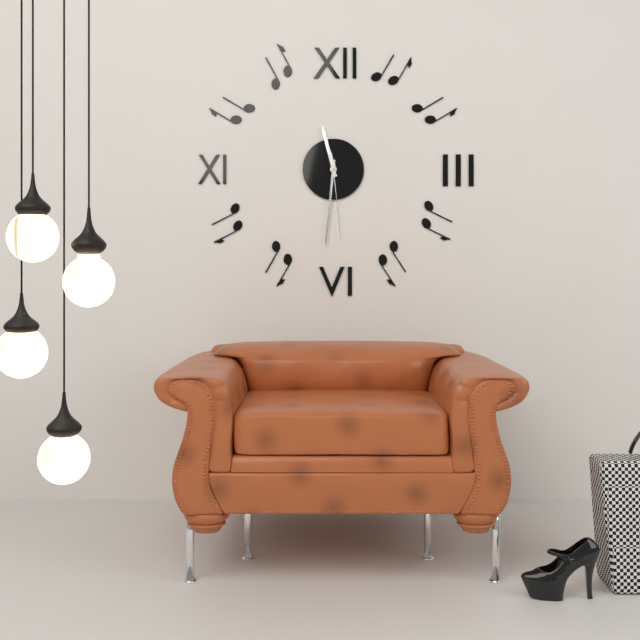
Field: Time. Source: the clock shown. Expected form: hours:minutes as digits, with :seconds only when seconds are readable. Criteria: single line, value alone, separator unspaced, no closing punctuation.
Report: 11:31:29
